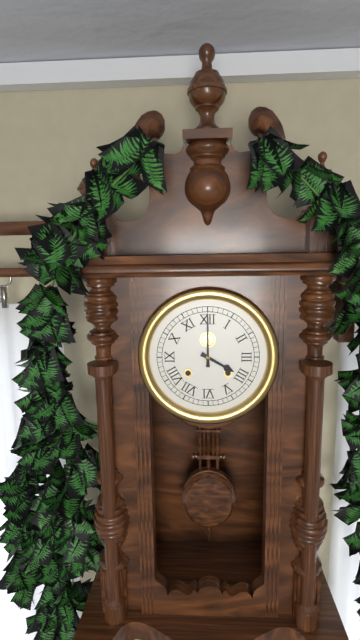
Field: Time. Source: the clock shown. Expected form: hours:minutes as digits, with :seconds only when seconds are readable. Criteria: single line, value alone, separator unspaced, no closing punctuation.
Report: 4:00
